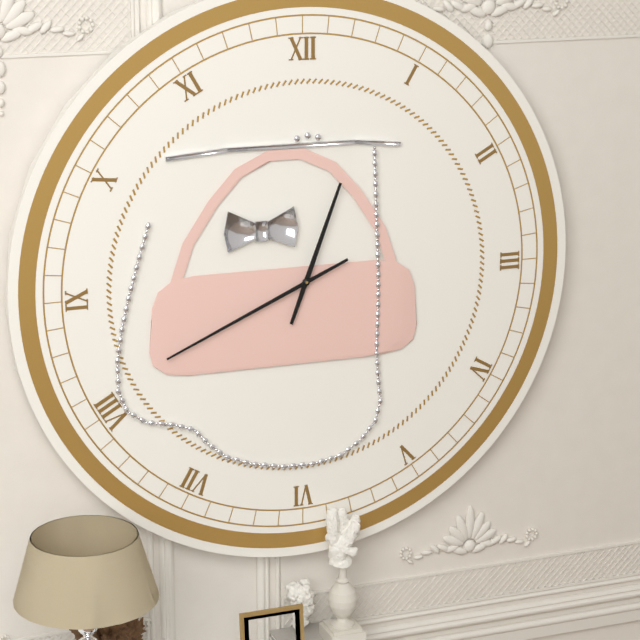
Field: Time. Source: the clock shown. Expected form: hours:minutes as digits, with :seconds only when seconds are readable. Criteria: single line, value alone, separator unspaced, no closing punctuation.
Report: 12:41
